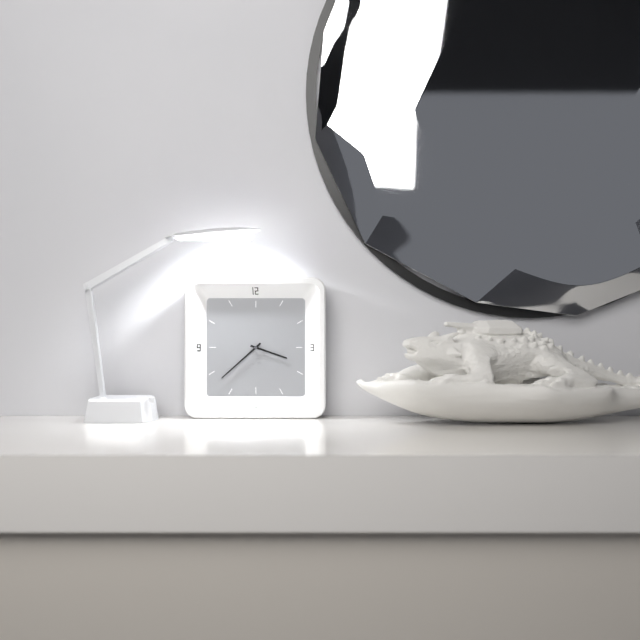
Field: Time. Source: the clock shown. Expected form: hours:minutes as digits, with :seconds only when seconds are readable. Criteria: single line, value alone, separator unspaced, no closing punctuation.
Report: 3:38
